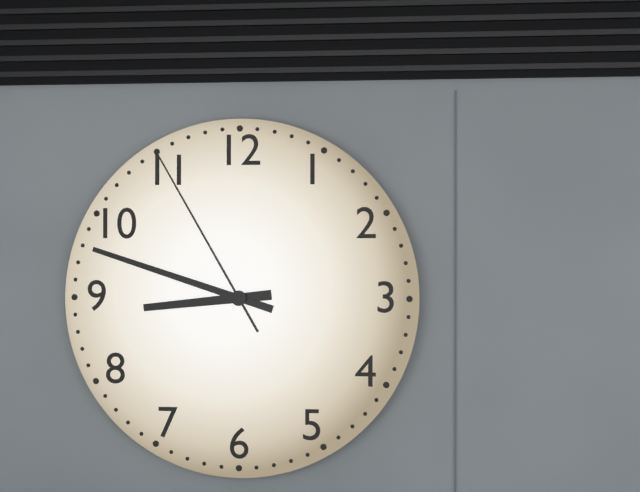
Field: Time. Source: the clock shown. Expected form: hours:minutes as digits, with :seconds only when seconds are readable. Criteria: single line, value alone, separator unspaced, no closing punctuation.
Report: 8:48:55
